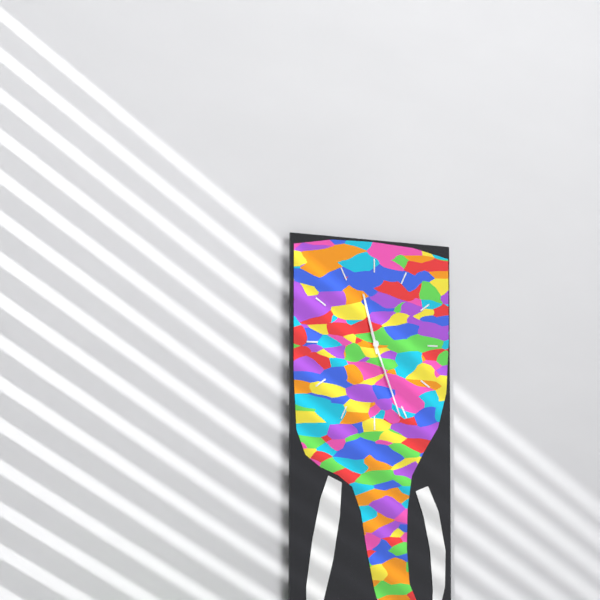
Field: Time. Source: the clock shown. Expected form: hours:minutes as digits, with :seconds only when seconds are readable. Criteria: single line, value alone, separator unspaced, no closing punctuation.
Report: 11:26
